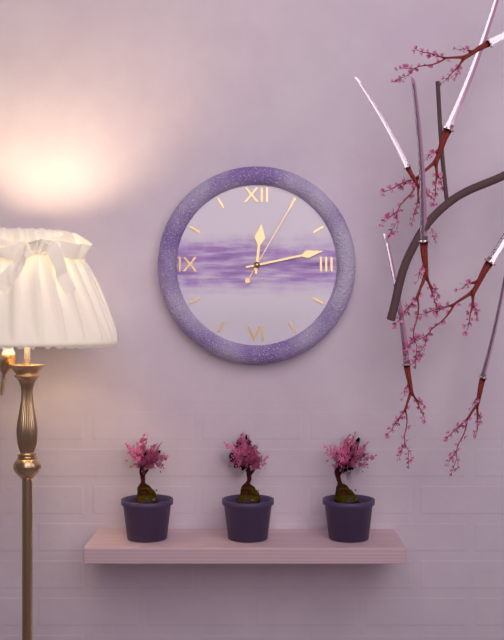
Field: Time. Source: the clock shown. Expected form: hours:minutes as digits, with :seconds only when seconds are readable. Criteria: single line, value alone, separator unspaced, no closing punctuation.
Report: 12:13:05
